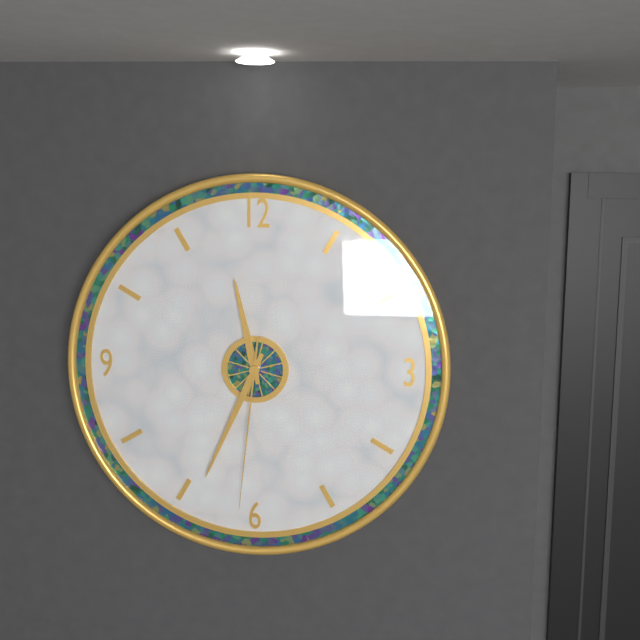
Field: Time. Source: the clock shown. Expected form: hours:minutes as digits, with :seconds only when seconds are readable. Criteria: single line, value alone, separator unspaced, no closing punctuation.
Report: 11:34:31
